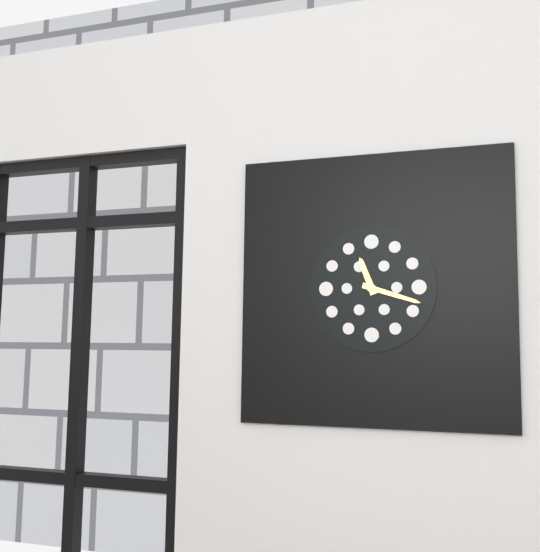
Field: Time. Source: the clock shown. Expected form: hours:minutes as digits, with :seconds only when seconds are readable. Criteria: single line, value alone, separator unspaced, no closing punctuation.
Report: 11:18
